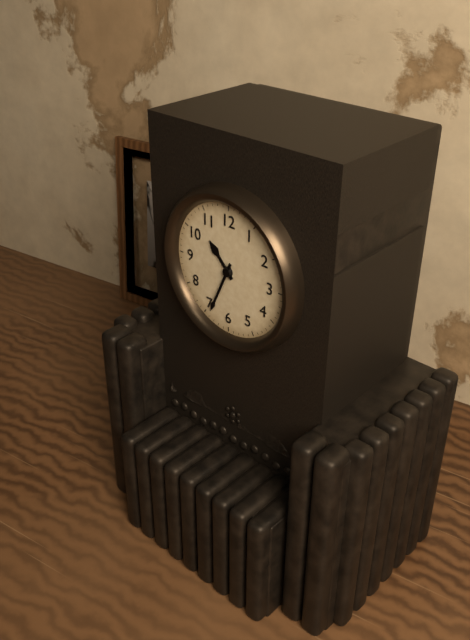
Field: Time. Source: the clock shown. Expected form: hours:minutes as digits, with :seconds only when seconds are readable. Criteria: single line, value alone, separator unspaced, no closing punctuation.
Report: 10:34
